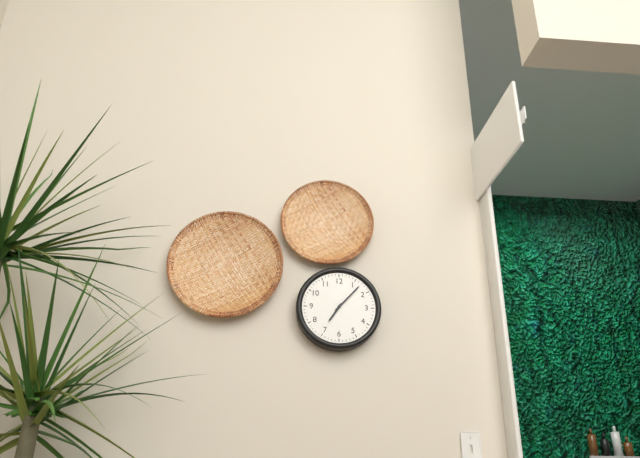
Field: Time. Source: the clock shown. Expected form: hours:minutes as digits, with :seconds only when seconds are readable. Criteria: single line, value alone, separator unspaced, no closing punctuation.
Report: 7:07
